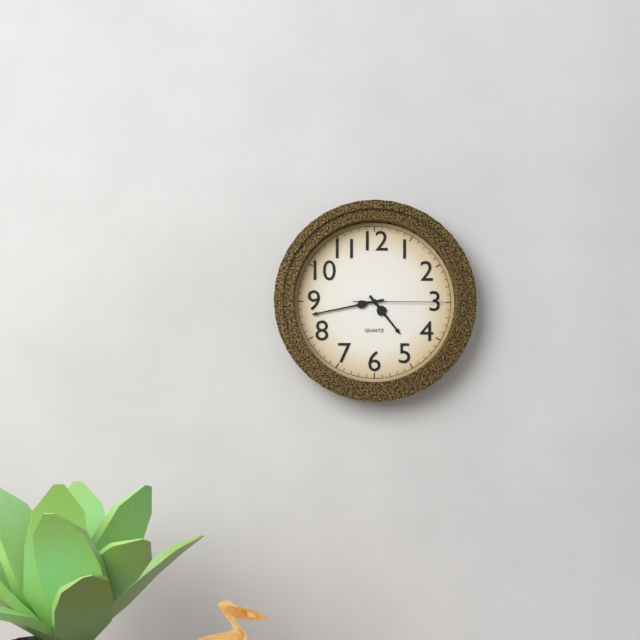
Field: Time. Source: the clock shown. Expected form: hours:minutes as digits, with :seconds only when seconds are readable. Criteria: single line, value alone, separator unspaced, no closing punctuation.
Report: 4:43:15
